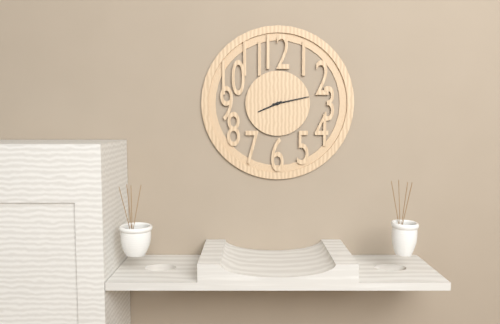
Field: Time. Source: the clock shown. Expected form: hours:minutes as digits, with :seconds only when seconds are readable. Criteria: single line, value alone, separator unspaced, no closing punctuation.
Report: 8:13
